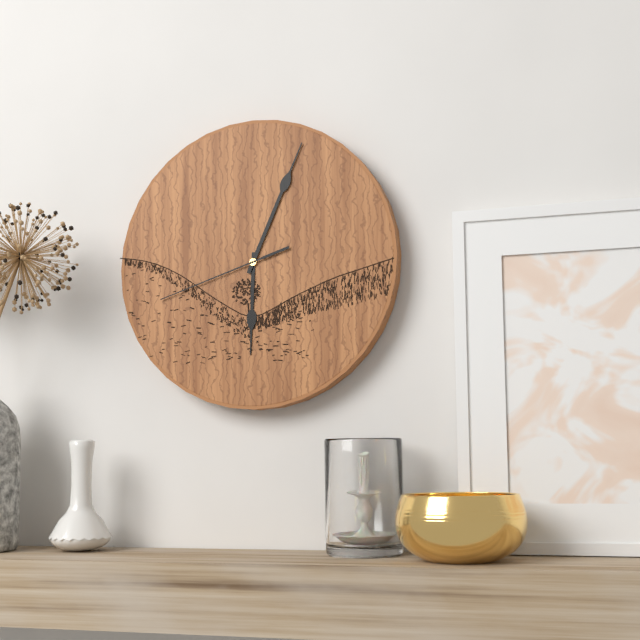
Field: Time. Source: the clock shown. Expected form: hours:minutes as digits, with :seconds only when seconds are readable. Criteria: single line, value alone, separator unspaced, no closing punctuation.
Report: 6:04:42
